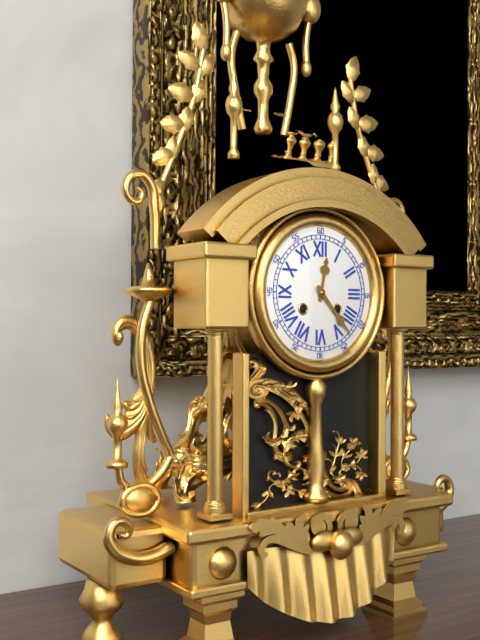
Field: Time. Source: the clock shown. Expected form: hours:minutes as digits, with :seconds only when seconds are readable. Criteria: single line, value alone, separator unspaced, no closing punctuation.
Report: 12:23
